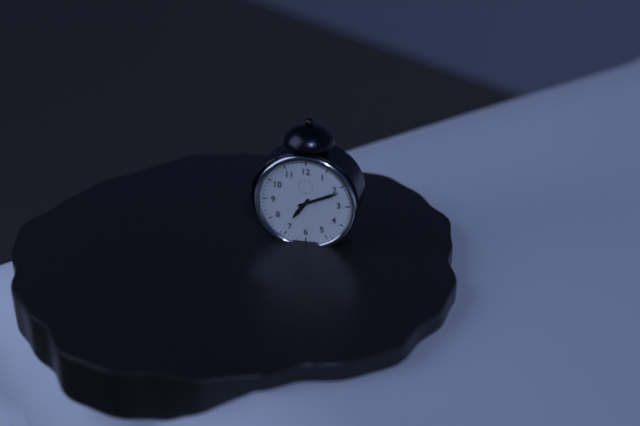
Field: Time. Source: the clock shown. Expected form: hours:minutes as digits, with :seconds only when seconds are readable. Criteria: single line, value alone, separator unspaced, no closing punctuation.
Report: 7:11
